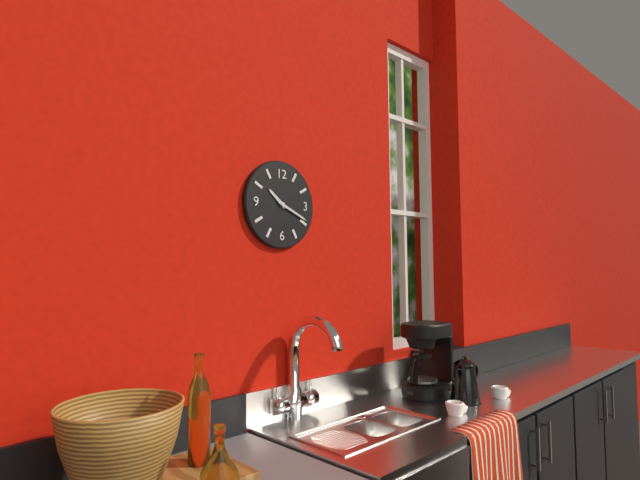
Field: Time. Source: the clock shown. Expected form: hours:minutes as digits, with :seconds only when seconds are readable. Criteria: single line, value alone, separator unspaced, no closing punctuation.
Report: 10:19
